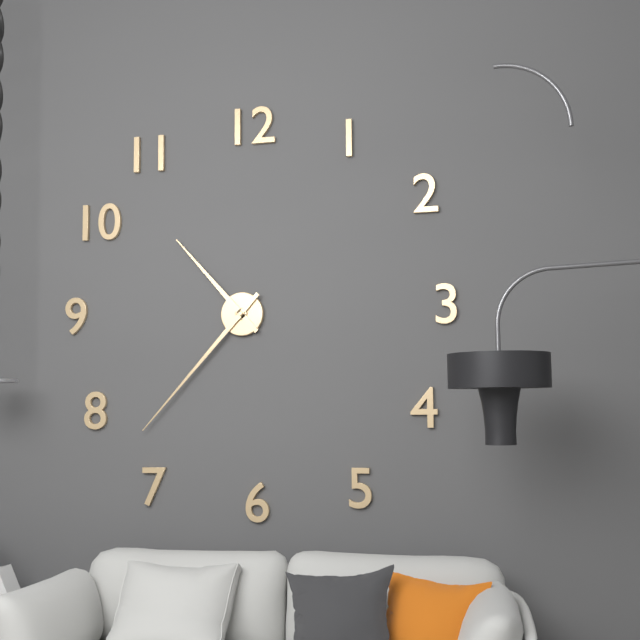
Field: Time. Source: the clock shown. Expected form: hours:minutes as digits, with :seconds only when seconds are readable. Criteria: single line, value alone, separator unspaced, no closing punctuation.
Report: 10:37
